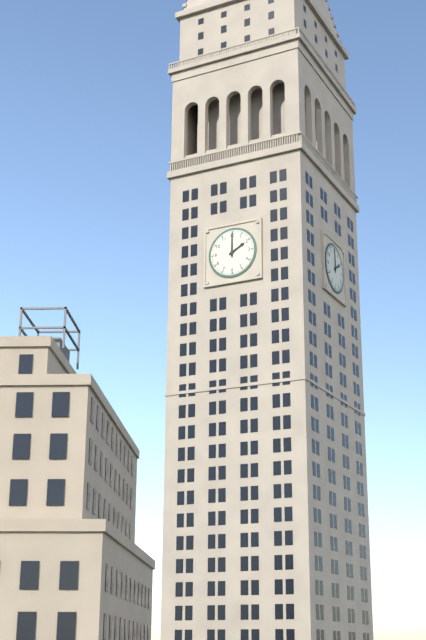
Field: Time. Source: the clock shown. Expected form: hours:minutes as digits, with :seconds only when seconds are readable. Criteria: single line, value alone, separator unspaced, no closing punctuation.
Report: 2:00
